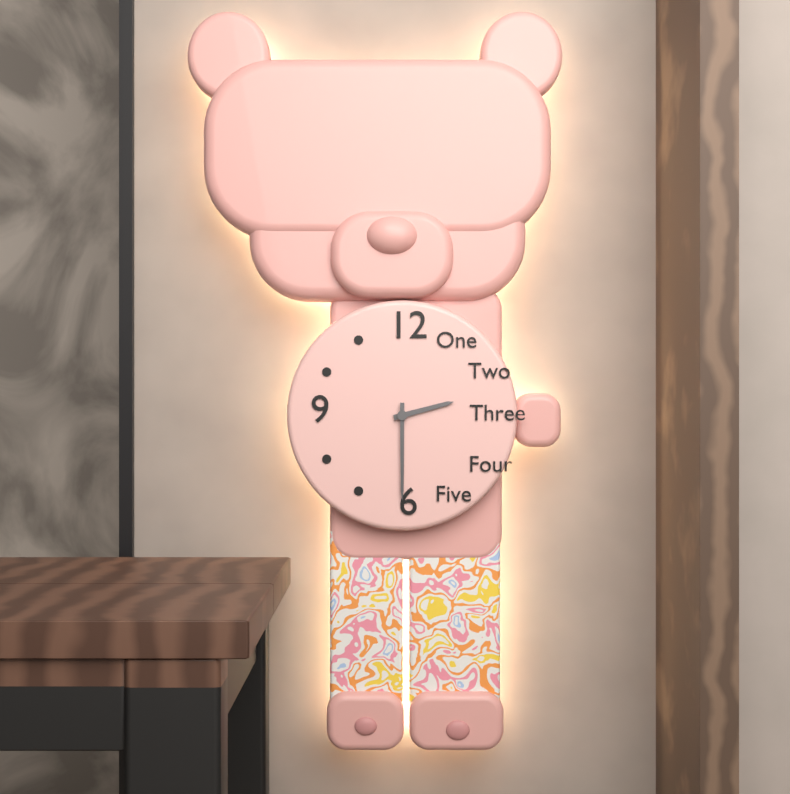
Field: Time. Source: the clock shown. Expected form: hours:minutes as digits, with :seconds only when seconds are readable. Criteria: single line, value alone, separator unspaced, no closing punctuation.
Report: 2:30
